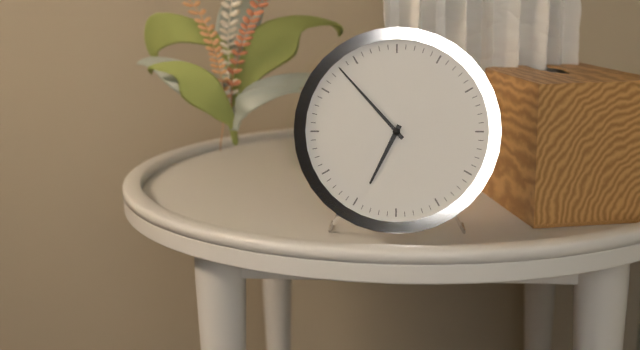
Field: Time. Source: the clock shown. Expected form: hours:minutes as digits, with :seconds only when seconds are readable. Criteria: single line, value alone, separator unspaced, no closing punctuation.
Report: 6:53
